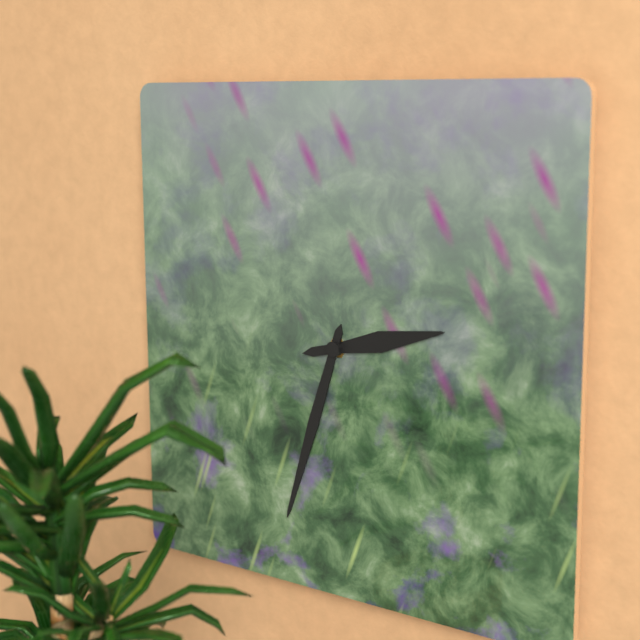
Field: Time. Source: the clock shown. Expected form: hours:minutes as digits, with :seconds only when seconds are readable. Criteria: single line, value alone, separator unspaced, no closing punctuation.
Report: 2:33
